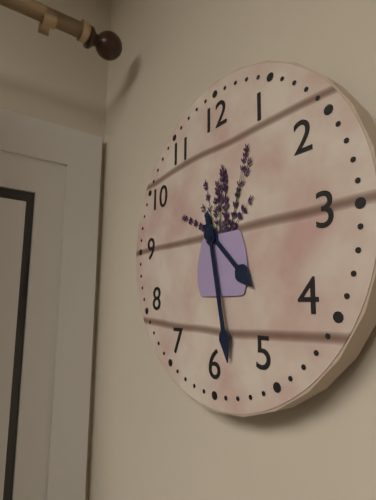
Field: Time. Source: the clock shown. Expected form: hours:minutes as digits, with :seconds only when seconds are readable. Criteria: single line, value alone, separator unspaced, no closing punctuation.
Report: 4:28
